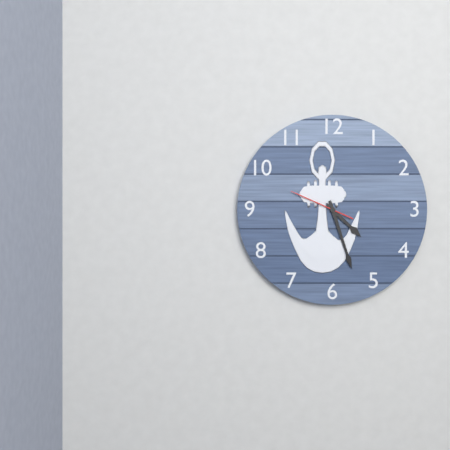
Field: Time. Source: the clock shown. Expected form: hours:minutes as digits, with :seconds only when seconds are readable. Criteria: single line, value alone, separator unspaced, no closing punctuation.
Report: 4:27:49
